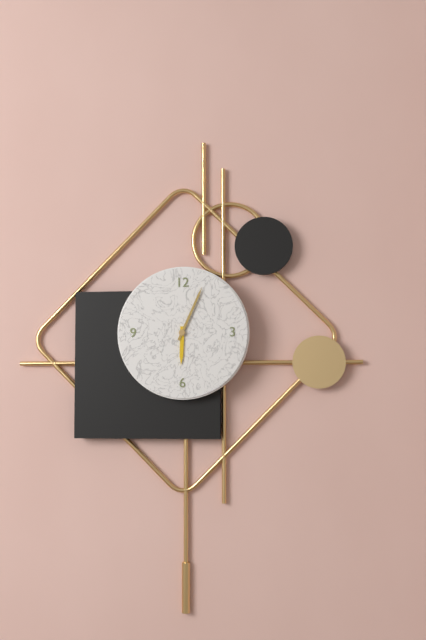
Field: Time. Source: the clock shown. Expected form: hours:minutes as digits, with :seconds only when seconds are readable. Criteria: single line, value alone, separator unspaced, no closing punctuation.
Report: 6:04
